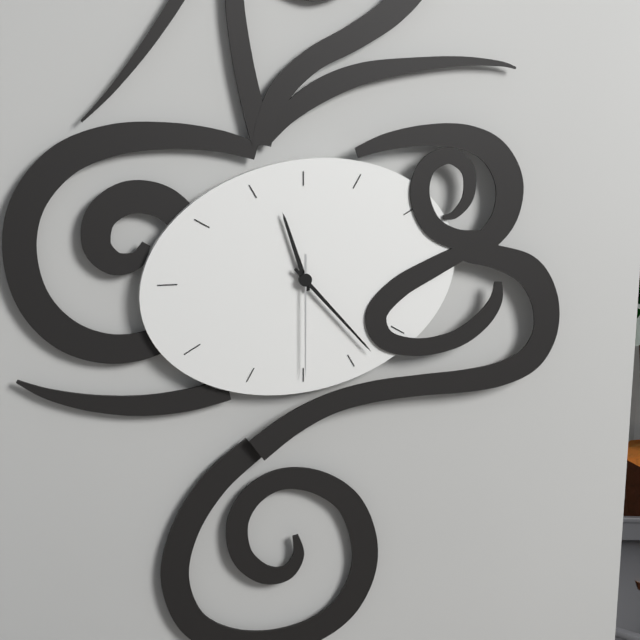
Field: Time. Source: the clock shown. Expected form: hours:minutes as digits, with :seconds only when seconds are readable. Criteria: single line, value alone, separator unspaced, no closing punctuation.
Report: 11:23:30
